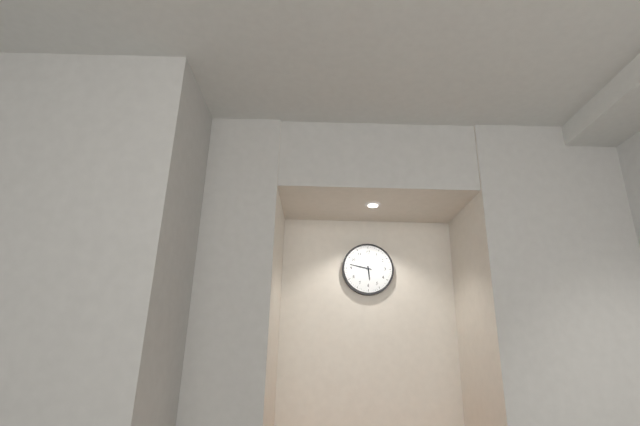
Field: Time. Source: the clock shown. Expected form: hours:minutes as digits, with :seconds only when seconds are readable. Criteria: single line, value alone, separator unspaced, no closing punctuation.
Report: 5:47
